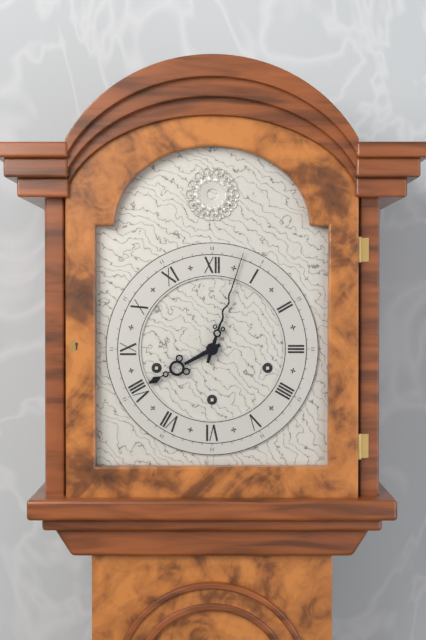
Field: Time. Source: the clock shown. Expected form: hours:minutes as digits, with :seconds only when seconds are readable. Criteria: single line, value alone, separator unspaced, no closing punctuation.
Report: 8:03
